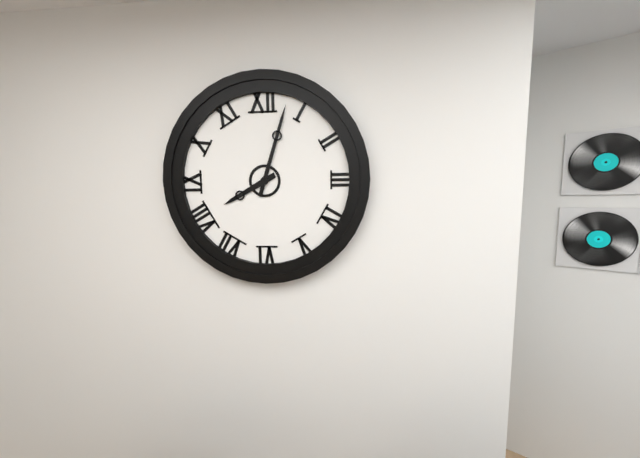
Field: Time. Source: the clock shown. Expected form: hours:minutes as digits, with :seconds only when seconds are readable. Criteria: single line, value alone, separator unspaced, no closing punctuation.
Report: 8:03
